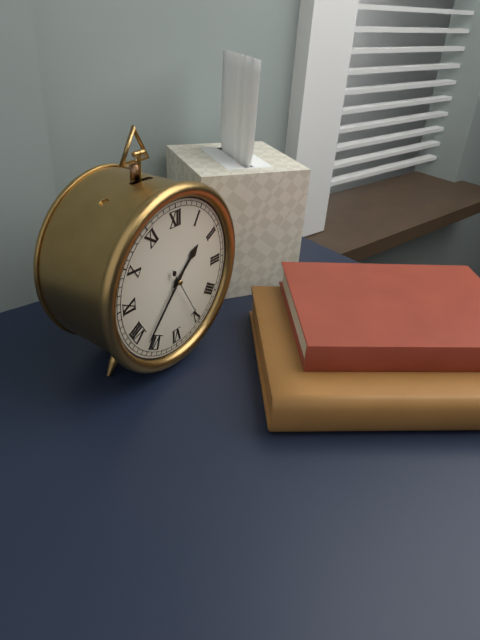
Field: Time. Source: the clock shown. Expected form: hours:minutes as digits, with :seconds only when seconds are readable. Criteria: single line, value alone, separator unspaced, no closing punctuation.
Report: 1:37:25
